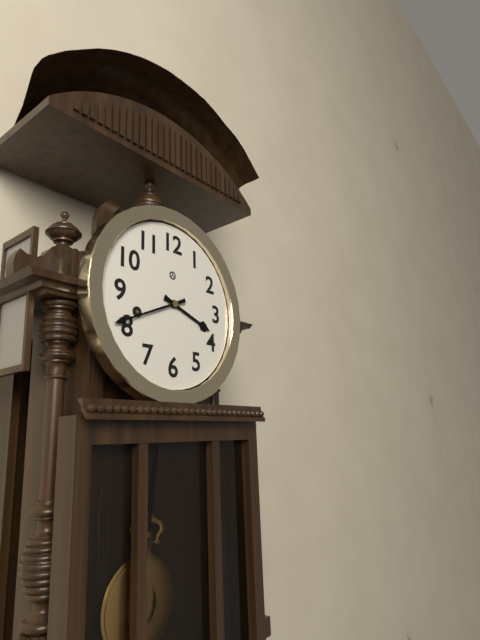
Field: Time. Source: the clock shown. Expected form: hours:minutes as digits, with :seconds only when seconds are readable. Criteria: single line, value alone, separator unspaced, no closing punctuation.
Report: 3:41
